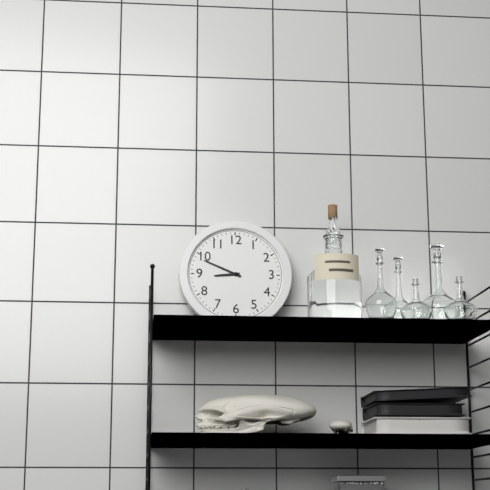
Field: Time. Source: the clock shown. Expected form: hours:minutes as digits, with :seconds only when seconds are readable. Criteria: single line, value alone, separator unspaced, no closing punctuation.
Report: 8:49
